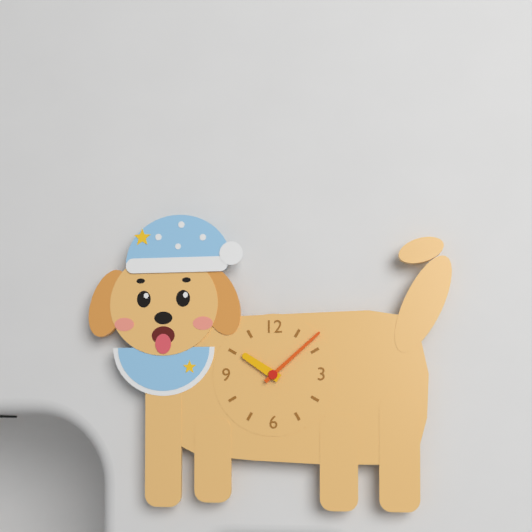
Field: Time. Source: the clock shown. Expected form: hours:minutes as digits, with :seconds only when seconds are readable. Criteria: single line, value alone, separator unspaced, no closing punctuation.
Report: 10:08
